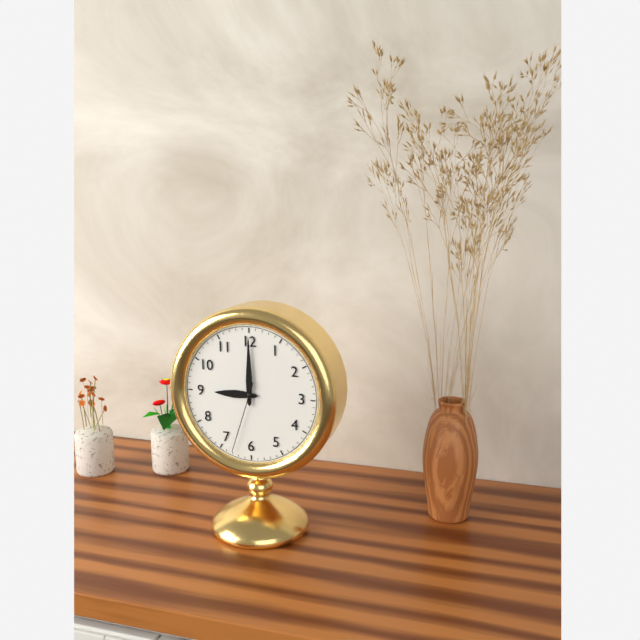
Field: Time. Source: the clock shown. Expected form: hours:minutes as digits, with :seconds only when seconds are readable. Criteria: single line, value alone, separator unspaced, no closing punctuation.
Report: 9:00:33
